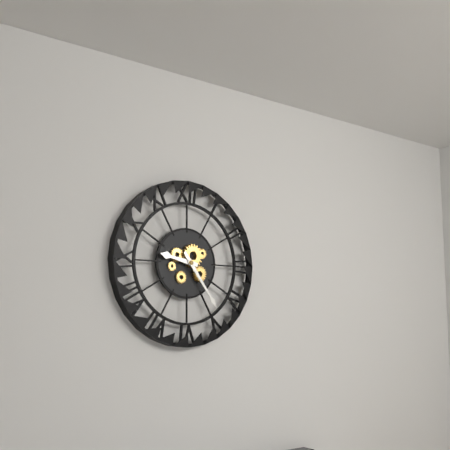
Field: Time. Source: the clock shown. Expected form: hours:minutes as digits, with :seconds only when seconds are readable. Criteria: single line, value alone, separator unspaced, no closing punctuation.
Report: 9:24
